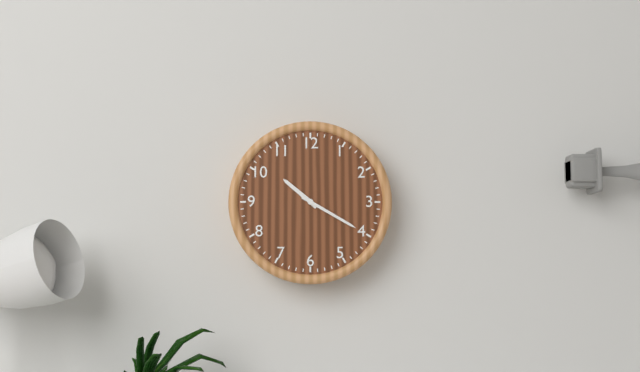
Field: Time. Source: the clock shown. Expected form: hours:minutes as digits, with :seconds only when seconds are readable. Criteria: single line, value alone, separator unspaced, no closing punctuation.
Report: 10:20
